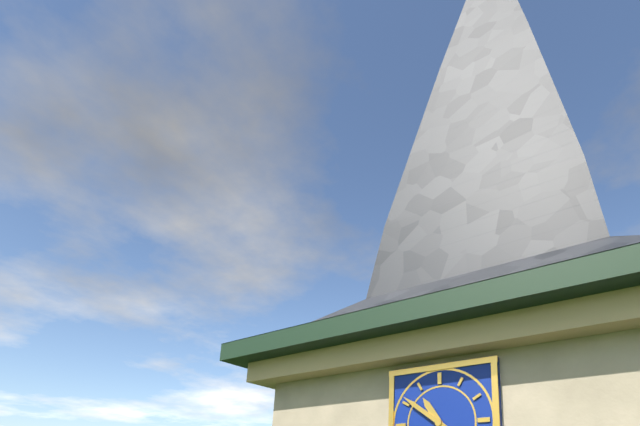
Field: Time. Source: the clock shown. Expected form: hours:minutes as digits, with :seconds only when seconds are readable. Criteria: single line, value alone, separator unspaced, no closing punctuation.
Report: 10:51
